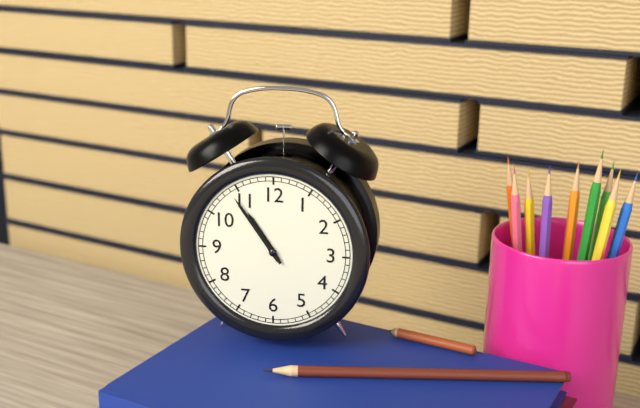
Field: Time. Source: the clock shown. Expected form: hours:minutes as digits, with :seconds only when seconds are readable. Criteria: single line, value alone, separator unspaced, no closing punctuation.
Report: 10:54
